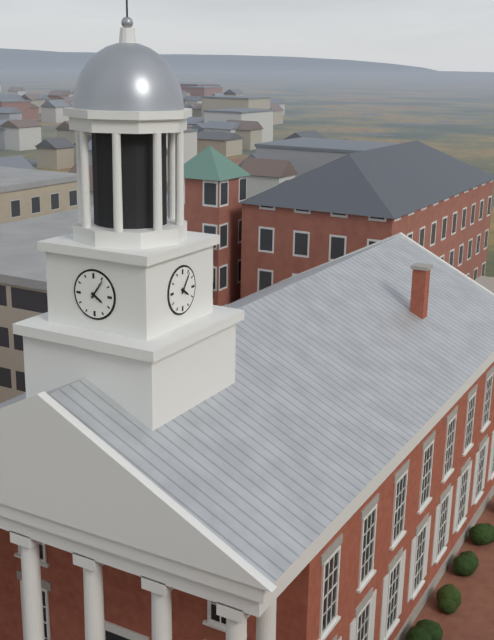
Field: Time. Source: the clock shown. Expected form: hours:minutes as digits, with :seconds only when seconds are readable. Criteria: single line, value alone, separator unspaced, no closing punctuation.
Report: 4:06
